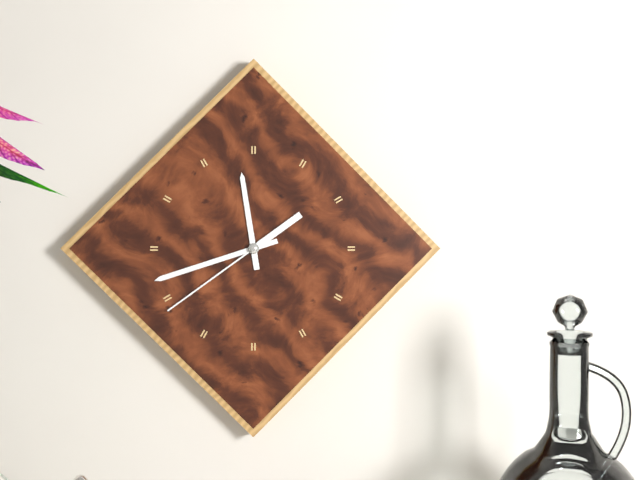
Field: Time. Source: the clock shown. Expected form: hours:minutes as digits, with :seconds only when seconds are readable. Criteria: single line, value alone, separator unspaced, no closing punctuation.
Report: 11:42:39
